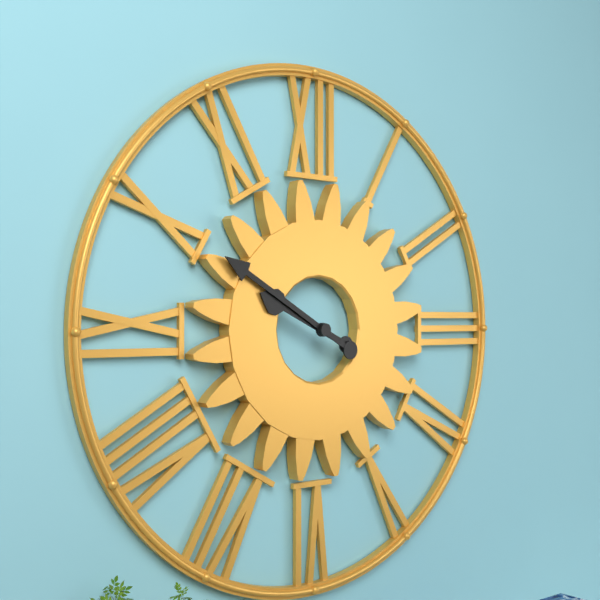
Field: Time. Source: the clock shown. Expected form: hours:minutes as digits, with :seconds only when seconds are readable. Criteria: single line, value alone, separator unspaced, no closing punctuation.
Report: 9:50
